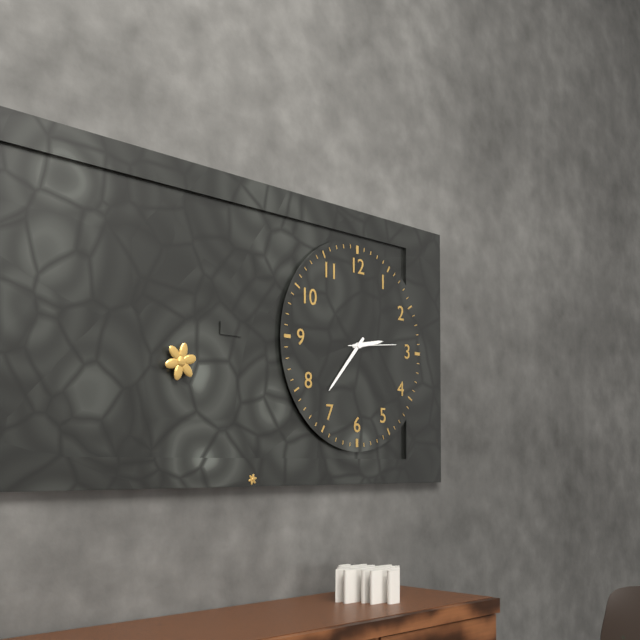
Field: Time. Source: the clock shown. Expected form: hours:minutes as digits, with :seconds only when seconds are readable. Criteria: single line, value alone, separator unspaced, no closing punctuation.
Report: 2:37
